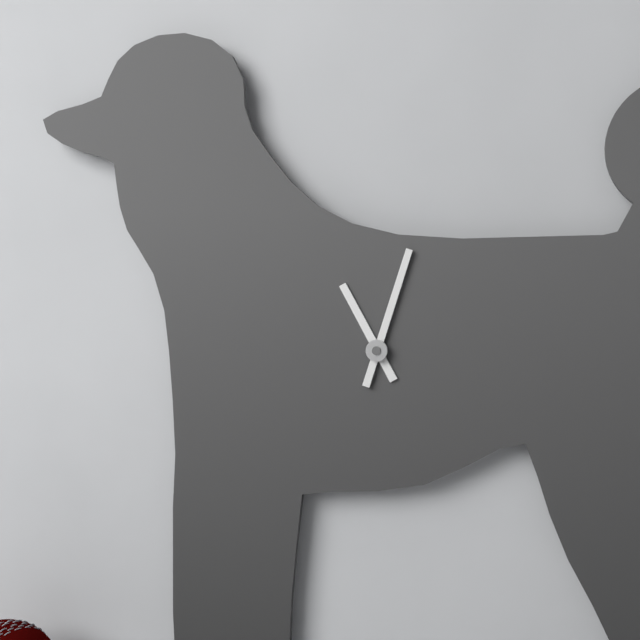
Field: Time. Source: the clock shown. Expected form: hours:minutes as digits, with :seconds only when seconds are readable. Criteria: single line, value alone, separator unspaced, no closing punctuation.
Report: 11:03
